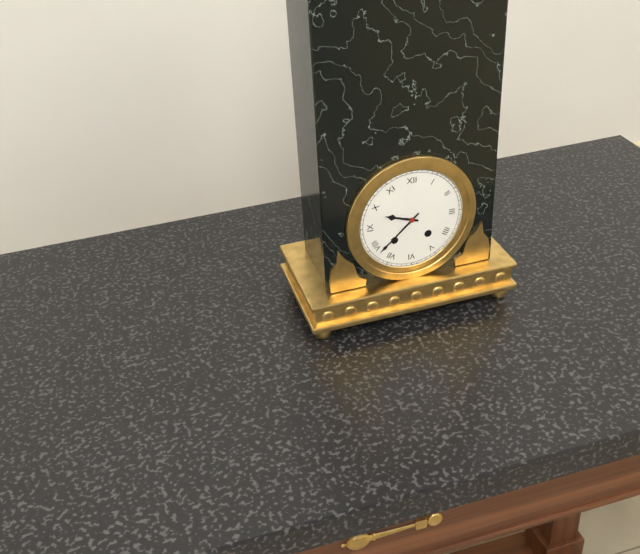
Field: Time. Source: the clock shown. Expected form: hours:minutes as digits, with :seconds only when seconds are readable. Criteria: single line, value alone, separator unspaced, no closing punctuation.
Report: 9:38
